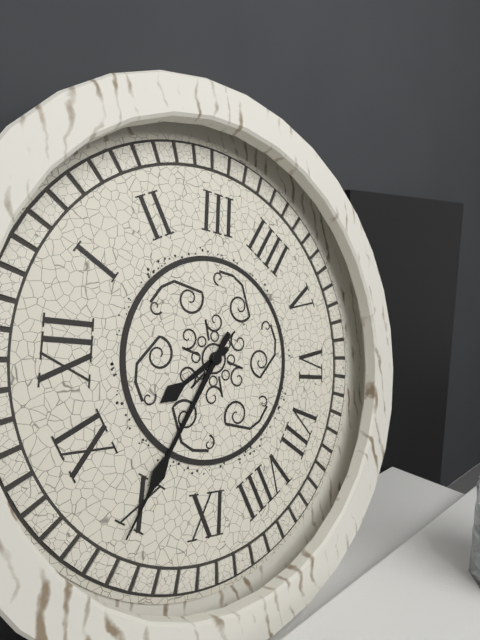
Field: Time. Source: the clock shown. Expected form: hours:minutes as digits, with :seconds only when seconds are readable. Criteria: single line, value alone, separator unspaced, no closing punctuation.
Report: 10:50
